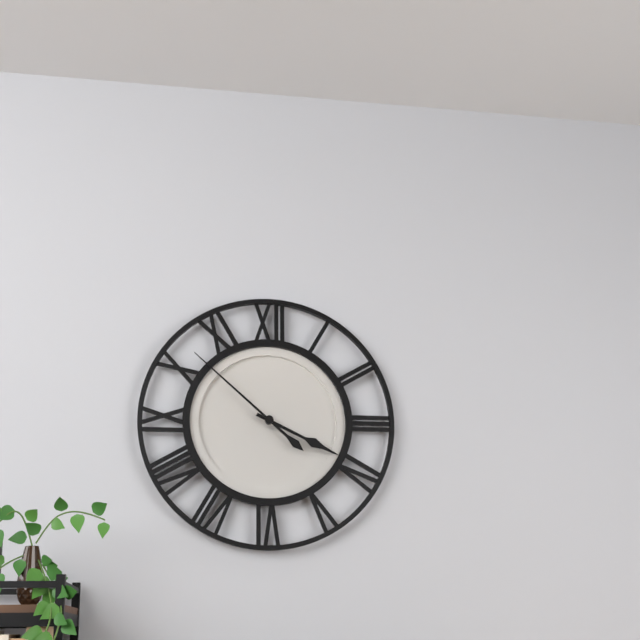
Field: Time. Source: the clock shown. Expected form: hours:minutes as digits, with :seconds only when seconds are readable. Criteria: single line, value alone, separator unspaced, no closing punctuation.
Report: 3:52
